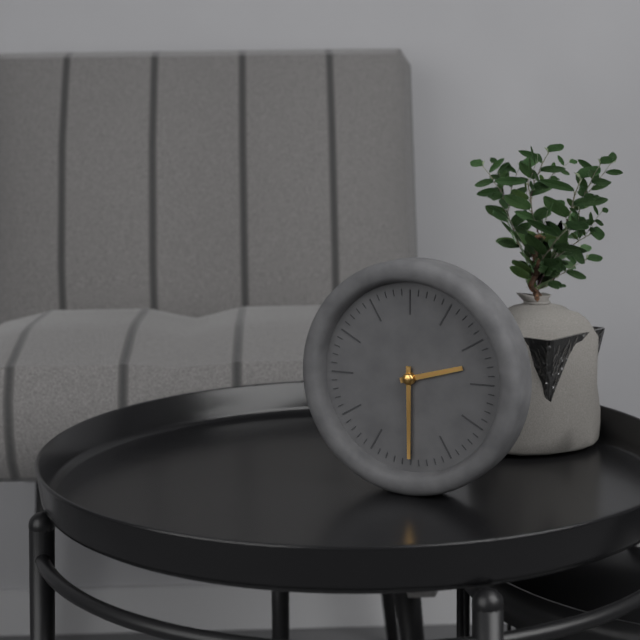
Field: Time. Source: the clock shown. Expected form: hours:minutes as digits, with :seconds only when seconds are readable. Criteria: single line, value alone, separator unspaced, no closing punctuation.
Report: 2:30
